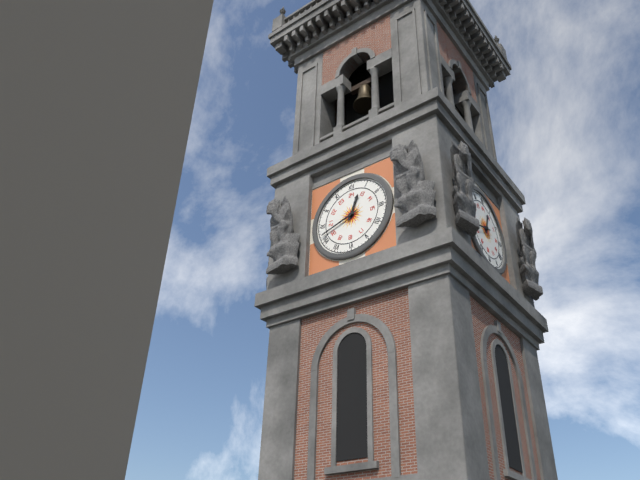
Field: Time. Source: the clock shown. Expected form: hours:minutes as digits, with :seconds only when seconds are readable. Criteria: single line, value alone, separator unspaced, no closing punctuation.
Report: 12:42
